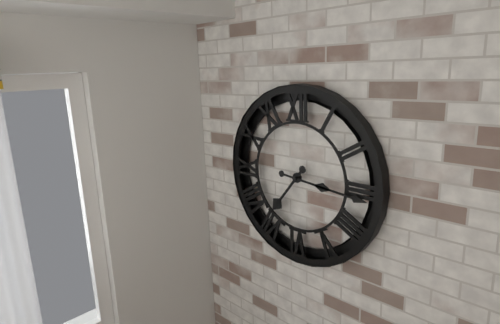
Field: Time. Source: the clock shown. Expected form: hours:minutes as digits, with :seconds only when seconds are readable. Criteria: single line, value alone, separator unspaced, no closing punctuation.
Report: 7:16
